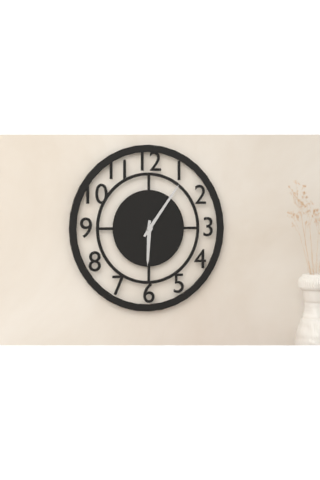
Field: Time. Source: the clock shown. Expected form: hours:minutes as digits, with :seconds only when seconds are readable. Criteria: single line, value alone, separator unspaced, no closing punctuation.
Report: 6:06
